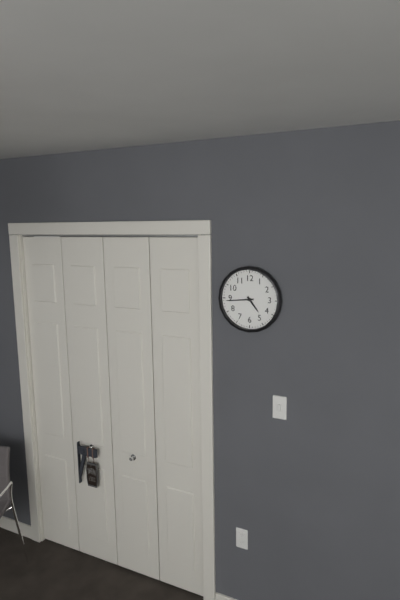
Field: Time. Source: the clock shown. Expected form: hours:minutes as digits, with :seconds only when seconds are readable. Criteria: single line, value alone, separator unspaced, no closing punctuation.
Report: 4:44
